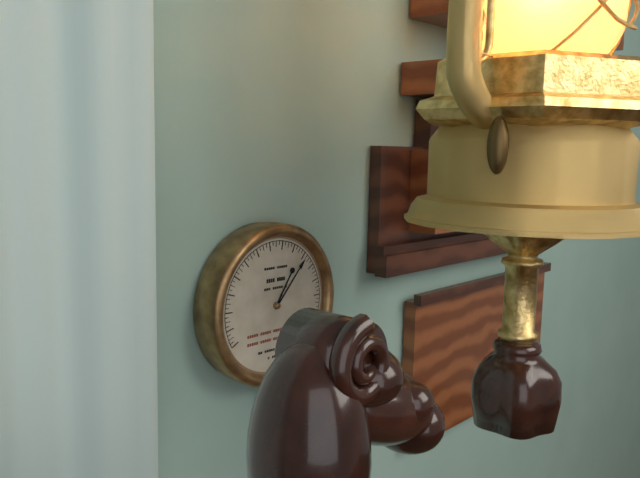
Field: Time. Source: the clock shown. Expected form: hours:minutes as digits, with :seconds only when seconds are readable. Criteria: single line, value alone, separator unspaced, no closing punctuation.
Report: 1:07
